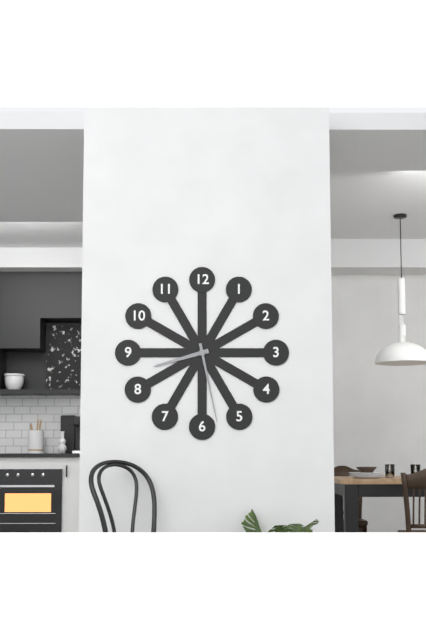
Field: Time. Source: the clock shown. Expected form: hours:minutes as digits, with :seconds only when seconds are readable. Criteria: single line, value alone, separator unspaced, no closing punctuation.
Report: 8:28
